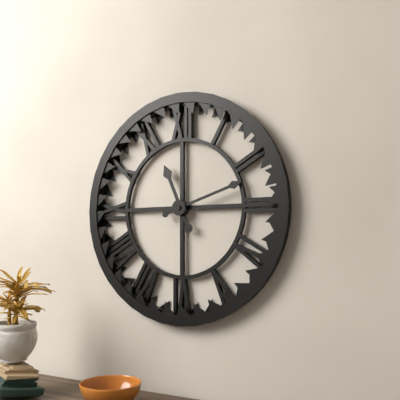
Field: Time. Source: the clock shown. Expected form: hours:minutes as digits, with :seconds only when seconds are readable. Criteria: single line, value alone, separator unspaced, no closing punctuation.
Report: 11:12
